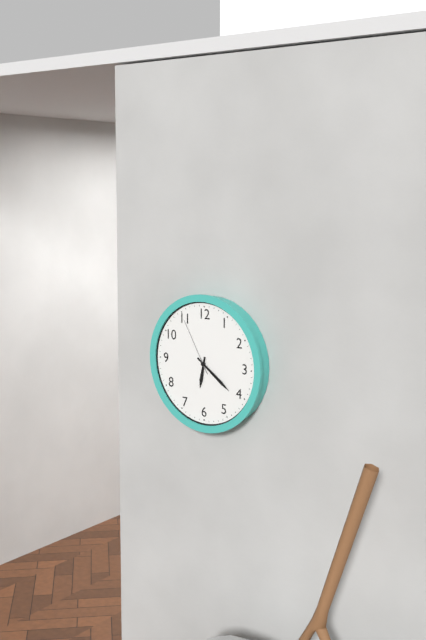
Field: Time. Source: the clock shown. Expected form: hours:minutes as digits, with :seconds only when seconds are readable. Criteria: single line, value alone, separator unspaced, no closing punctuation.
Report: 6:21:55
